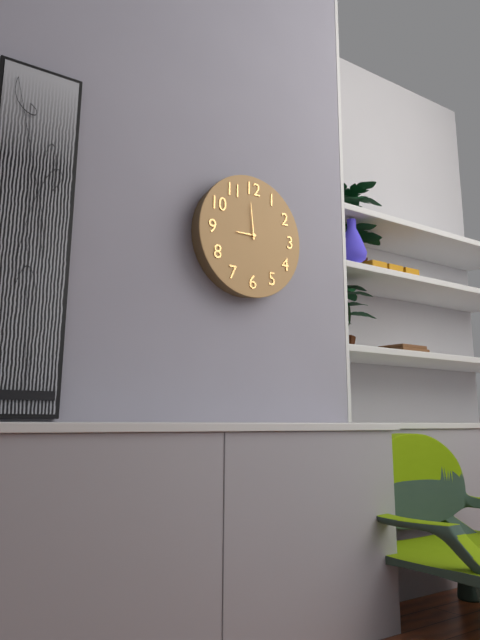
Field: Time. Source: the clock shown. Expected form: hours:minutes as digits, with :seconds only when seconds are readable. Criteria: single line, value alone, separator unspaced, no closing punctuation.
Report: 8:59
